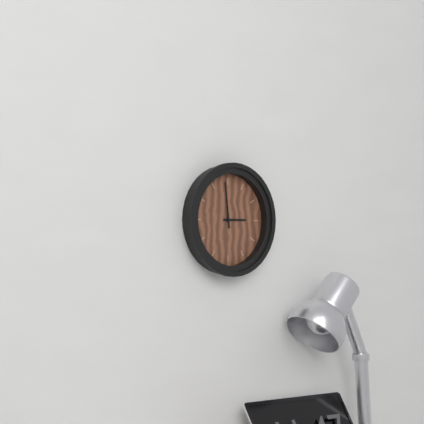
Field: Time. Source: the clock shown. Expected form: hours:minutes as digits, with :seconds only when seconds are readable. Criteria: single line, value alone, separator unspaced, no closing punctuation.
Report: 2:59
